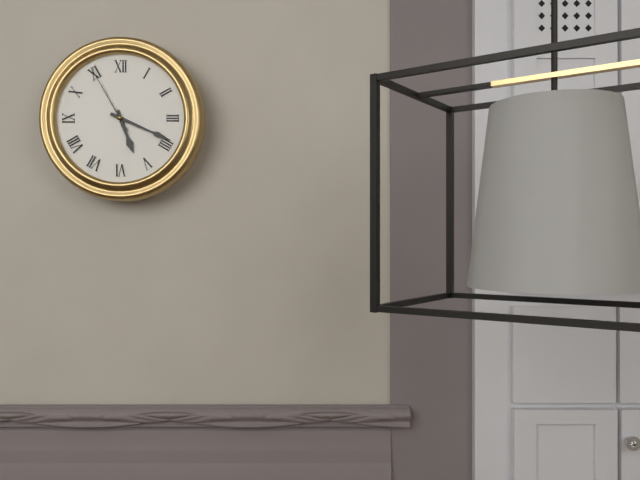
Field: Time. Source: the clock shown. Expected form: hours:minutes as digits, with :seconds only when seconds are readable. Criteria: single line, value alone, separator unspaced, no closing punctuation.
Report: 5:19:55
